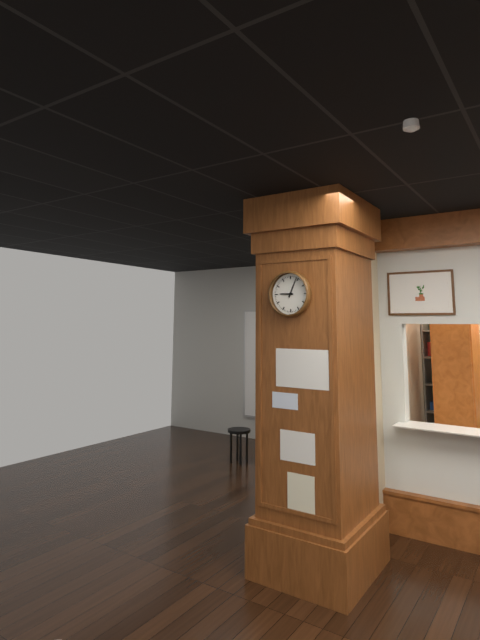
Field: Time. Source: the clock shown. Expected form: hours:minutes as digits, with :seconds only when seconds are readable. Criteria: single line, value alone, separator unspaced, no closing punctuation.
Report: 9:04
